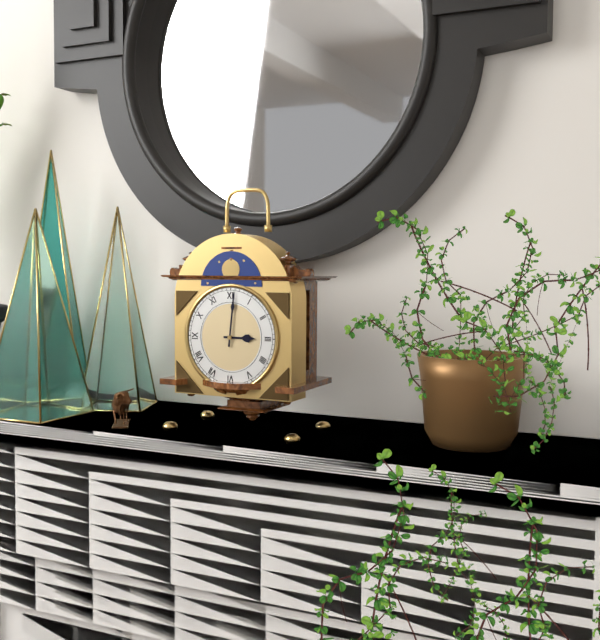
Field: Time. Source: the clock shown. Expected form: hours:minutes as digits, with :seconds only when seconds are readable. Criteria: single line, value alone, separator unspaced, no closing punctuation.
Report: 3:01
